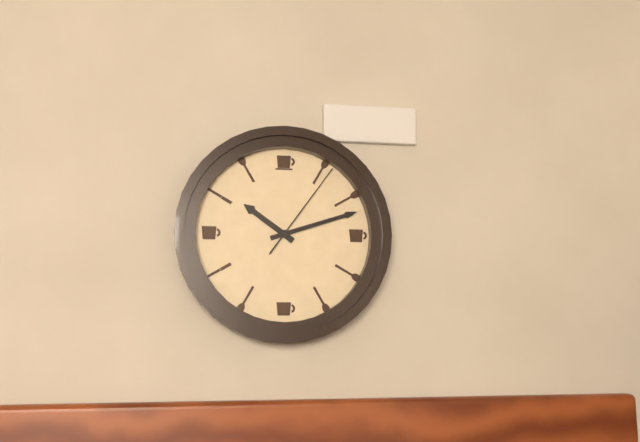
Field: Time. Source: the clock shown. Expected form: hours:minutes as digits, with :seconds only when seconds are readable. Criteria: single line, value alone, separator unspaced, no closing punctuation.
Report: 10:12:06
